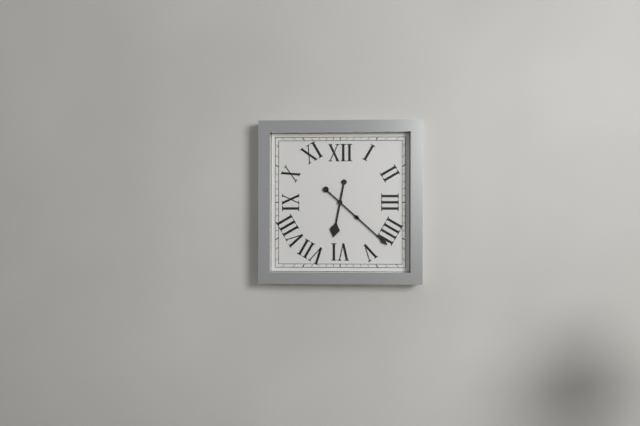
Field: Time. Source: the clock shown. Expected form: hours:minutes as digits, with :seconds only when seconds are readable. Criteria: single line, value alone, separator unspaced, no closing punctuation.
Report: 6:22
